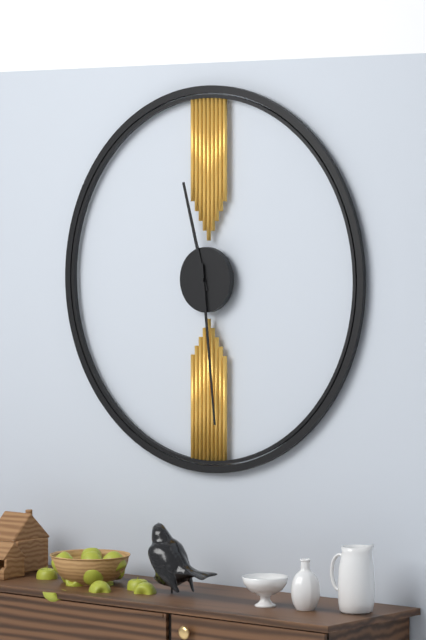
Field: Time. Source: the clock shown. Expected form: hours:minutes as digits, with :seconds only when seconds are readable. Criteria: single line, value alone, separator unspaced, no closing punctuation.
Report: 11:29
